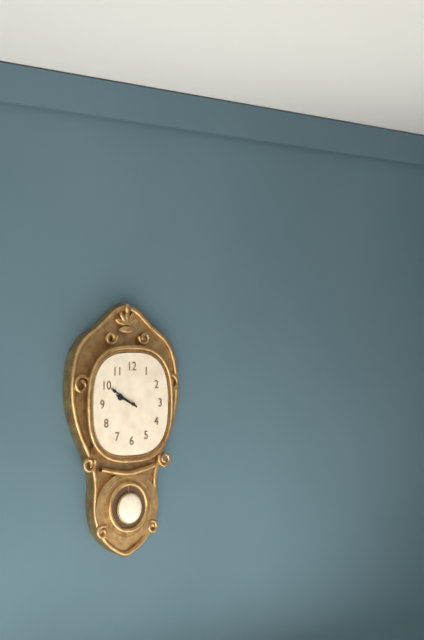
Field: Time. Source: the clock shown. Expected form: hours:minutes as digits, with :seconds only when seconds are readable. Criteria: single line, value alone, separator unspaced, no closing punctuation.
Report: 9:50
